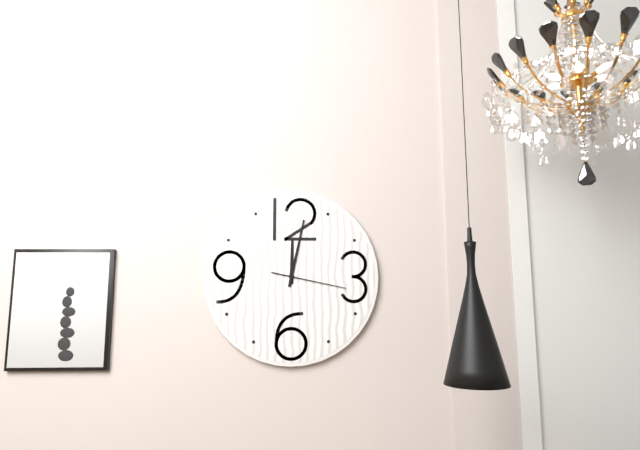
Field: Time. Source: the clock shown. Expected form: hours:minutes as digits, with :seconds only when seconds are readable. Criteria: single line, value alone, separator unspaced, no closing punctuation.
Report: 12:02:17
